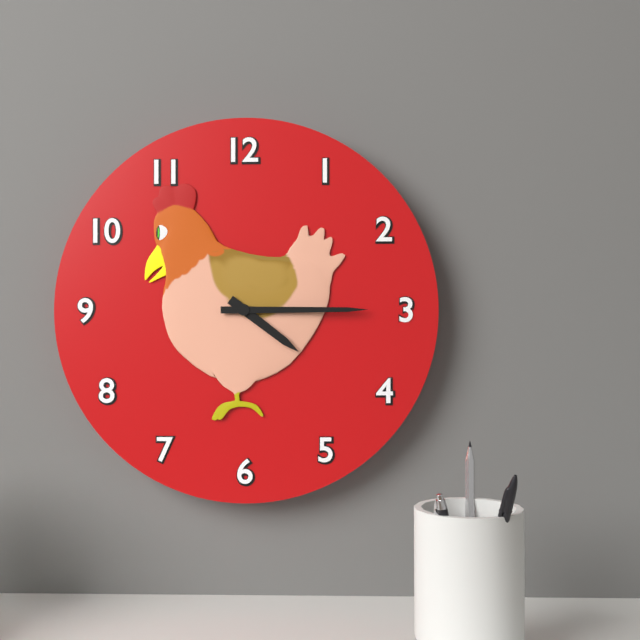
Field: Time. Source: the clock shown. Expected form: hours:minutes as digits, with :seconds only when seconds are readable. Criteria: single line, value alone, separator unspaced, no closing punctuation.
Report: 4:15
